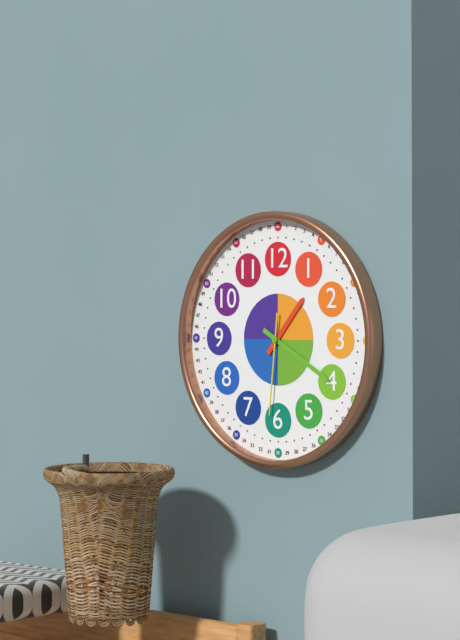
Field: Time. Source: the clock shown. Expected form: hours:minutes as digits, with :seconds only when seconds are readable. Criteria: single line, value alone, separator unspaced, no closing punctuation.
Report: 1:20:31
